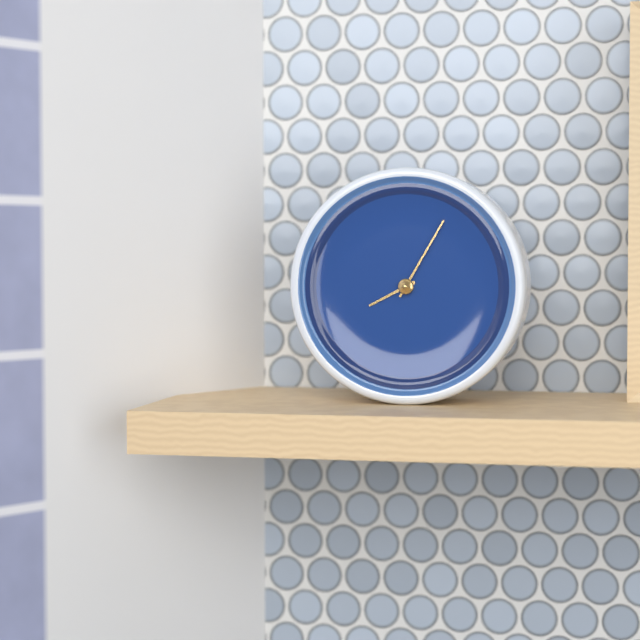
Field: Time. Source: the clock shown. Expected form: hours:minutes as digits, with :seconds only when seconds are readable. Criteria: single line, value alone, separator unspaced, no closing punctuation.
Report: 8:05
